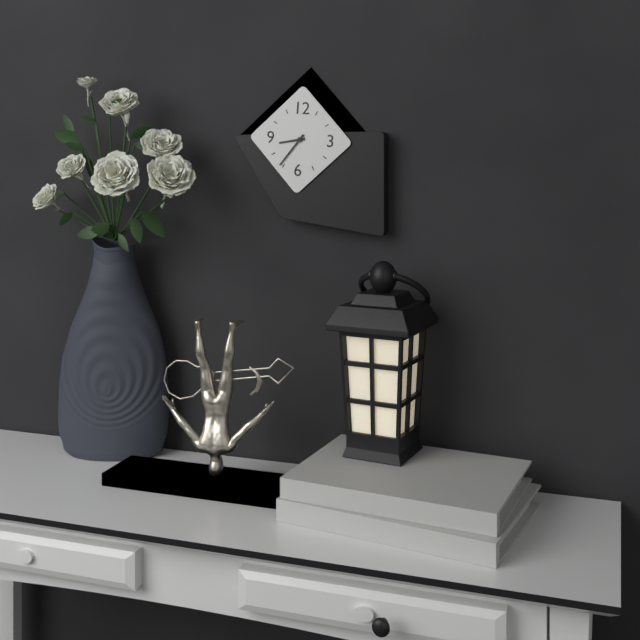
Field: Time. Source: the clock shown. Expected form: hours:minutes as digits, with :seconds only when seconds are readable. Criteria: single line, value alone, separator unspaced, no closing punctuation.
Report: 8:36
